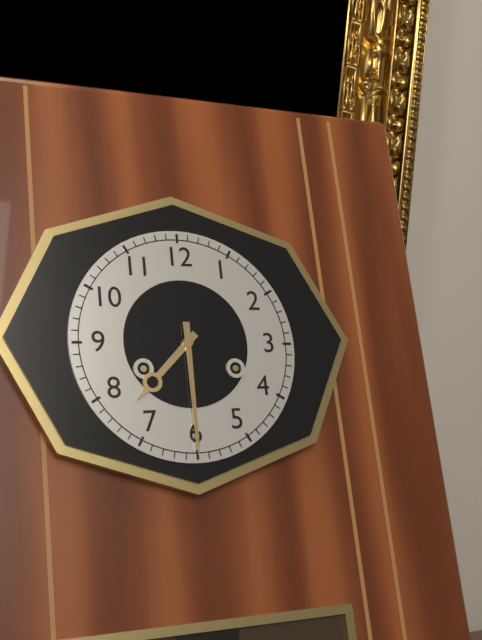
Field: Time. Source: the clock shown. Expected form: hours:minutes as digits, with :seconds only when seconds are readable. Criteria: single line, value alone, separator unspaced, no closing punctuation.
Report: 7:30
